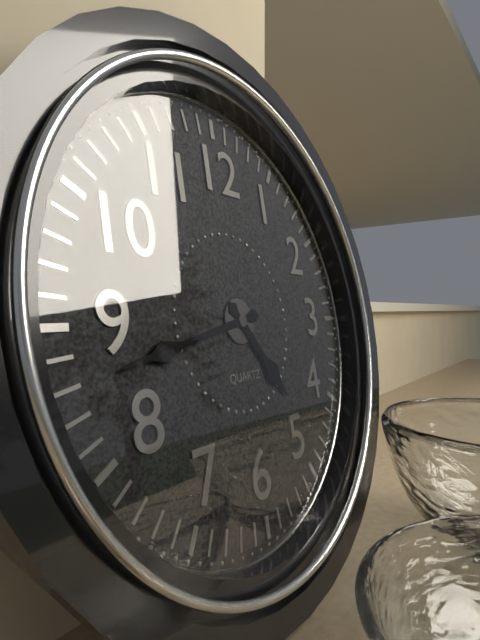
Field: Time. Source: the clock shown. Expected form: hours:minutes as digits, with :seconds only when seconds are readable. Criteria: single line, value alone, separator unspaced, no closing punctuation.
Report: 4:43
